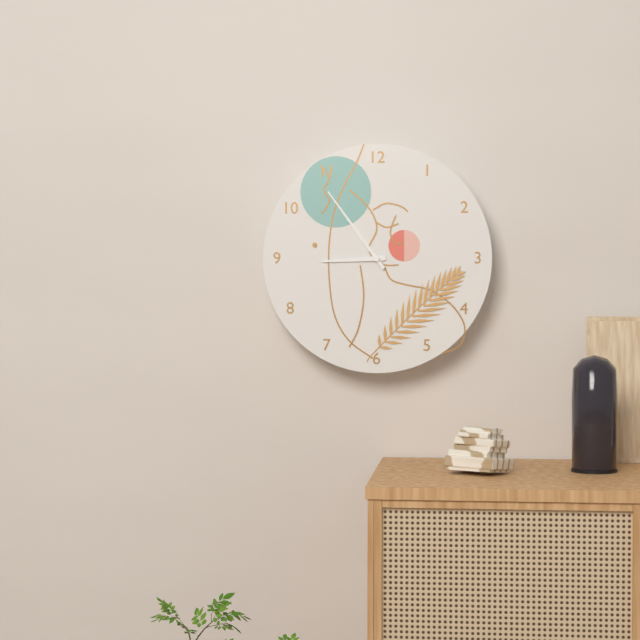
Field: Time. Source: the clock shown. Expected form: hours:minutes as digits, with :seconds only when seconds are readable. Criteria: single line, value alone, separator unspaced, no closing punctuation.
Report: 8:54
